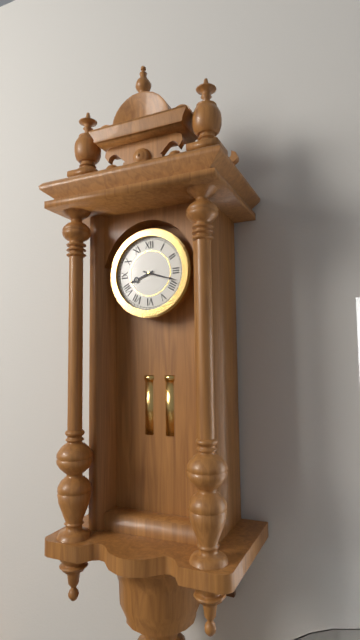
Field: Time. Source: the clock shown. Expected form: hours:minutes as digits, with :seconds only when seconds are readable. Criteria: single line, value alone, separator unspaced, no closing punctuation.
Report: 8:18
